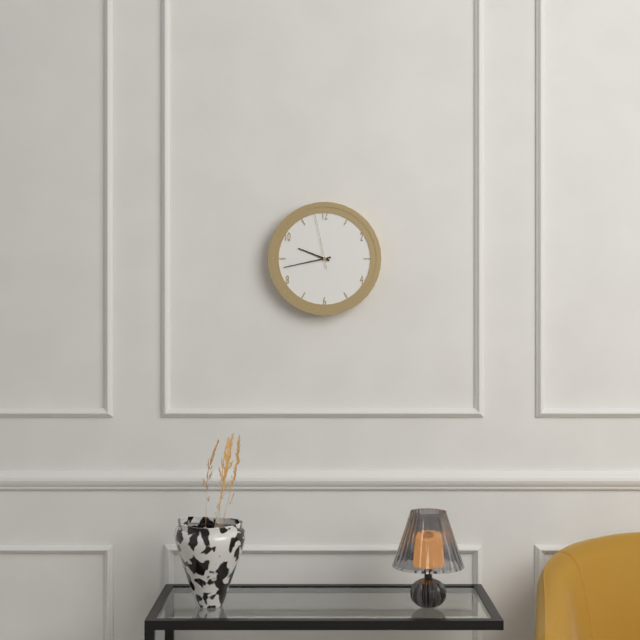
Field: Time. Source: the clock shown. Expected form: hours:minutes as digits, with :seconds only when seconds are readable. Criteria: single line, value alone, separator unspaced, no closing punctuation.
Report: 9:43:58
